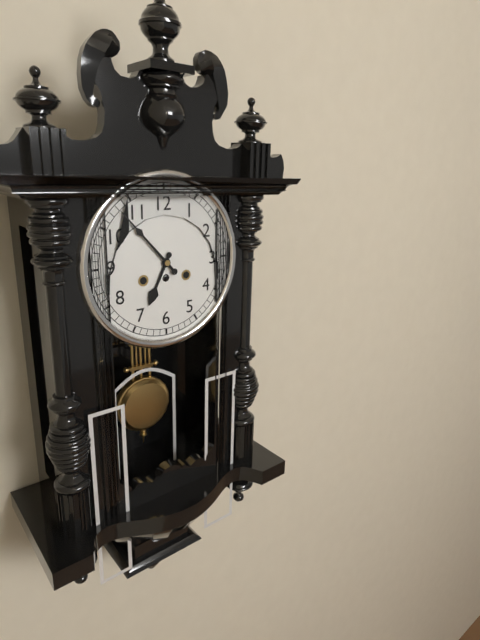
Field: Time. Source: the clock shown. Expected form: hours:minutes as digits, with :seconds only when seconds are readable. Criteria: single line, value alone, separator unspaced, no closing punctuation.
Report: 6:53
